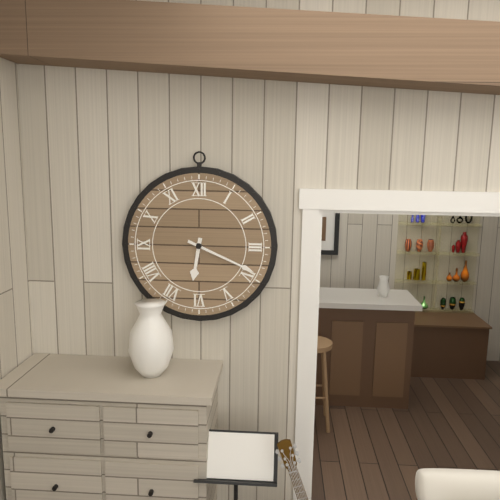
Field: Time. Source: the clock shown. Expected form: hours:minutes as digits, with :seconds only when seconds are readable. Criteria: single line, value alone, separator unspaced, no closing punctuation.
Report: 6:19
